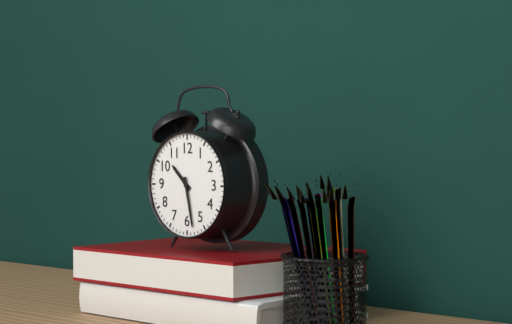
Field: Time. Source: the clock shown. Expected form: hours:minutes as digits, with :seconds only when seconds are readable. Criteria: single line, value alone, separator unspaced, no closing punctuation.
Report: 10:28
